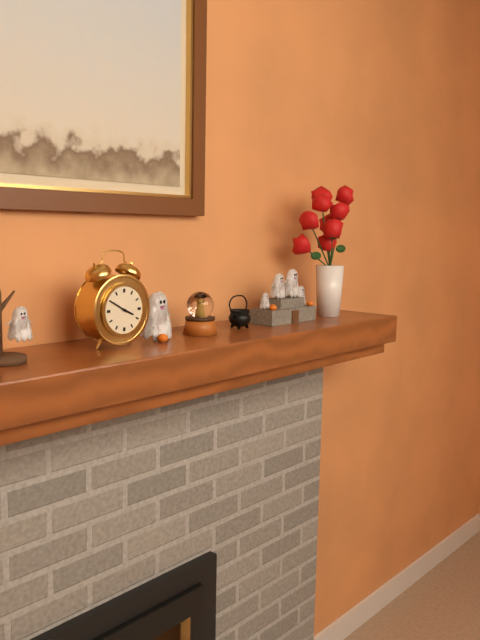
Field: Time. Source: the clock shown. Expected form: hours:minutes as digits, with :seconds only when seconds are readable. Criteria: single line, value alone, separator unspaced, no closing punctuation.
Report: 3:50
